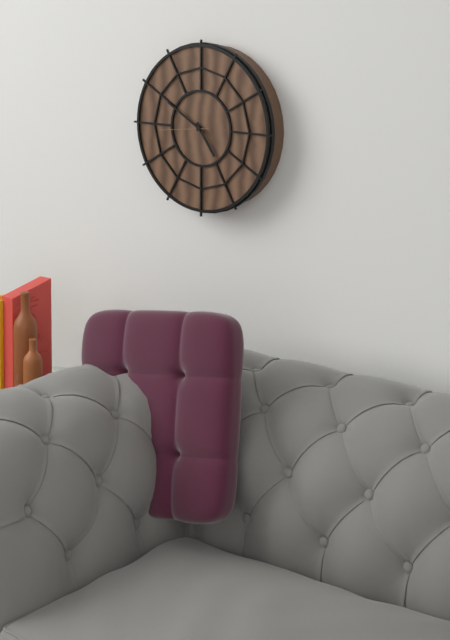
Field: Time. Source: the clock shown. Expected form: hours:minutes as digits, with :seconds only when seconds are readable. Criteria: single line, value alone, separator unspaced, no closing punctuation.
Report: 4:50
